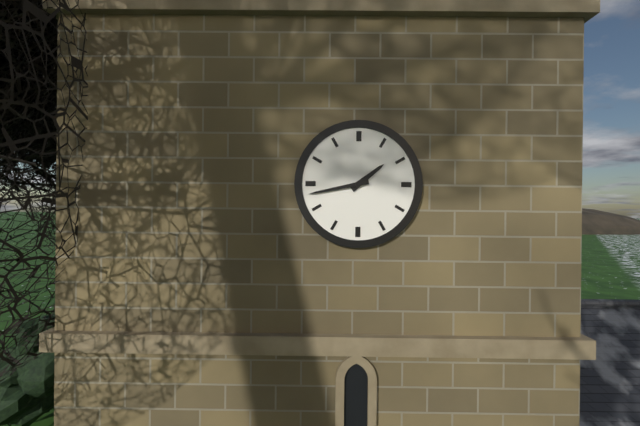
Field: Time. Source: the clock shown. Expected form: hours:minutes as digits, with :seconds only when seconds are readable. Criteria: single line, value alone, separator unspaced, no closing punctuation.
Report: 1:43
